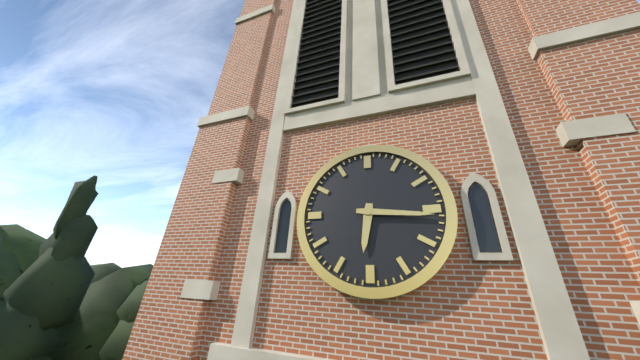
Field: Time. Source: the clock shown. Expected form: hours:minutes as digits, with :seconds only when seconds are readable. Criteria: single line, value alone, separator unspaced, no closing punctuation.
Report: 6:16
